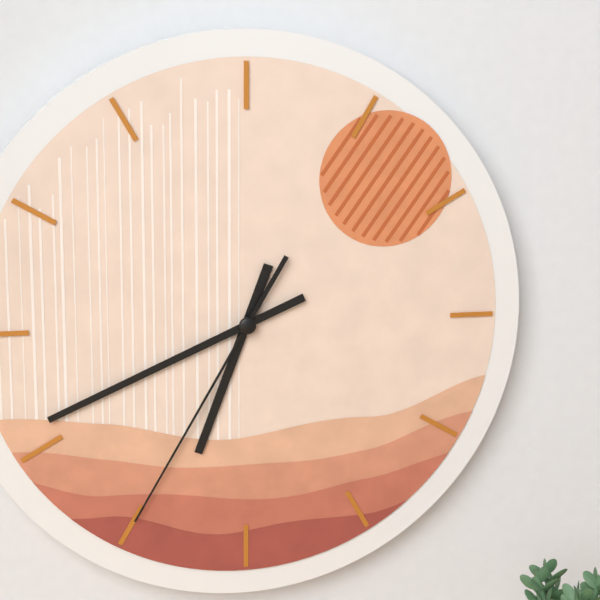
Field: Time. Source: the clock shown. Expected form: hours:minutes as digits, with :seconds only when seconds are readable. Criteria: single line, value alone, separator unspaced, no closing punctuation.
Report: 6:41:35
